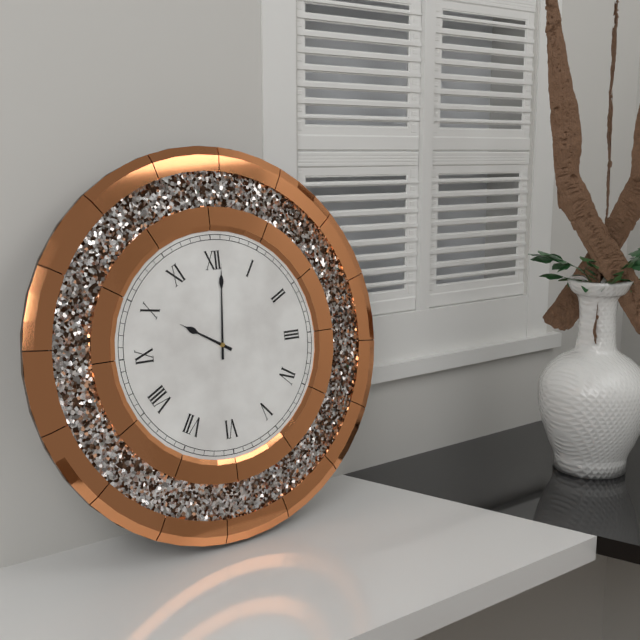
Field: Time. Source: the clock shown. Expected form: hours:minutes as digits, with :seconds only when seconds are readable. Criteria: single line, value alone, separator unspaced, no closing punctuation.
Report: 10:01
